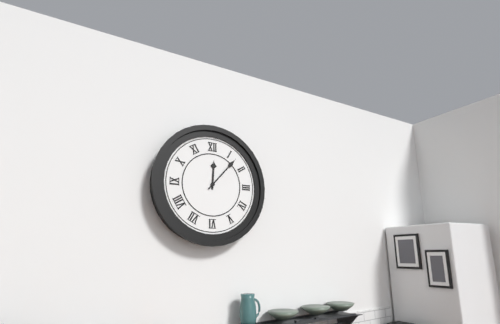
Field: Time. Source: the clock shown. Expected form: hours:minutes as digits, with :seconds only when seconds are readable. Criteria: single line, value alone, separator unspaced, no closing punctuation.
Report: 12:07
